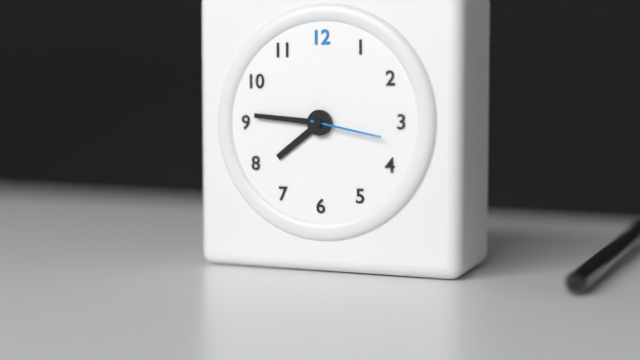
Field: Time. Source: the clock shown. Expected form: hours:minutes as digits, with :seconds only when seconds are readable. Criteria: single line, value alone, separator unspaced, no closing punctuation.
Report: 7:46:17
